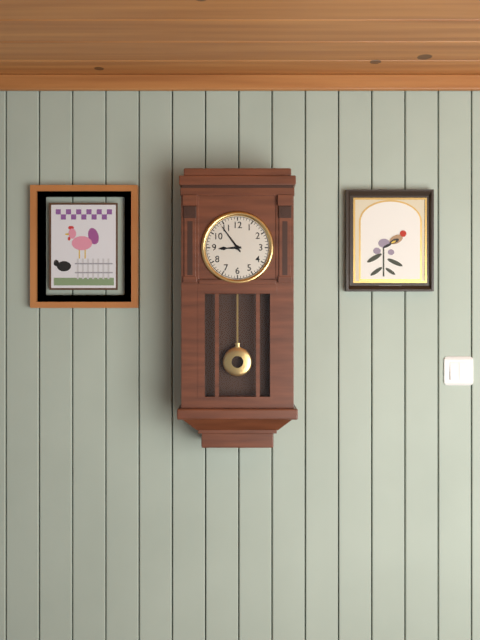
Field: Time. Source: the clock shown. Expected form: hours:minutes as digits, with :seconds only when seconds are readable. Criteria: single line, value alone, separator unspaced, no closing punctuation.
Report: 8:54
